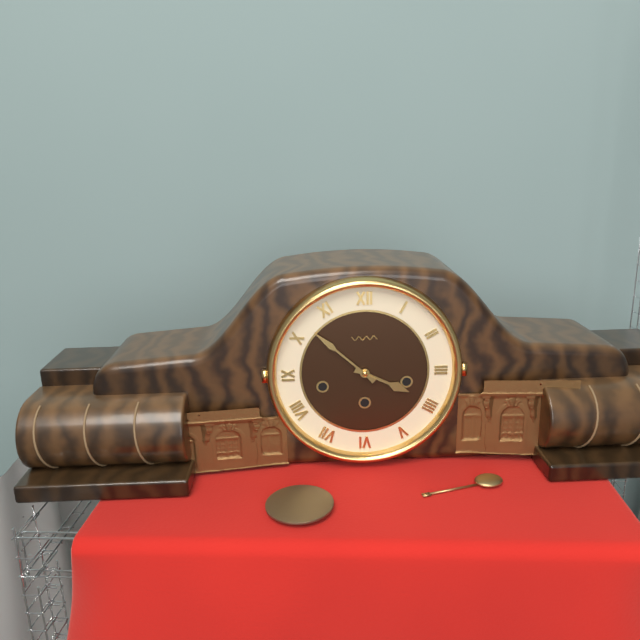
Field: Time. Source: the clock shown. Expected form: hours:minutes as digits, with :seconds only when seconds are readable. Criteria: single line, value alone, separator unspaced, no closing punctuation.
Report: 3:52
